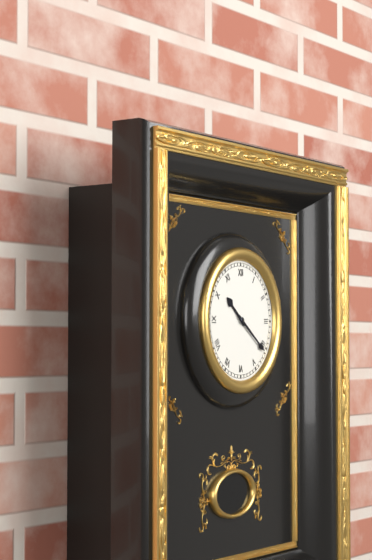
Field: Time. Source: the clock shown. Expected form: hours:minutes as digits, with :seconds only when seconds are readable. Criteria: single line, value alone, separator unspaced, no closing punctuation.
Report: 10:21
